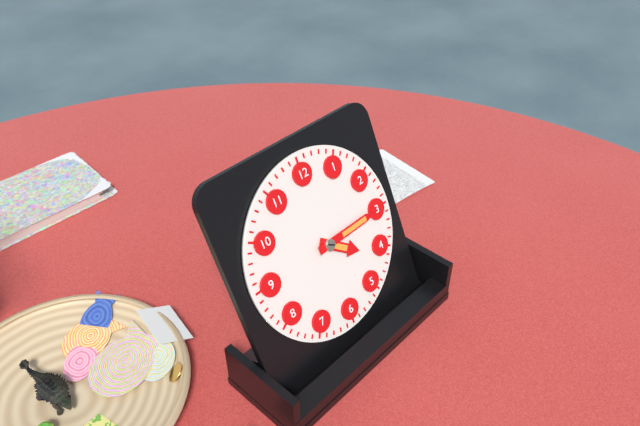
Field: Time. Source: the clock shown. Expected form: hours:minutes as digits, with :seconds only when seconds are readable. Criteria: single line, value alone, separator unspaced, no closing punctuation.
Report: 4:15
